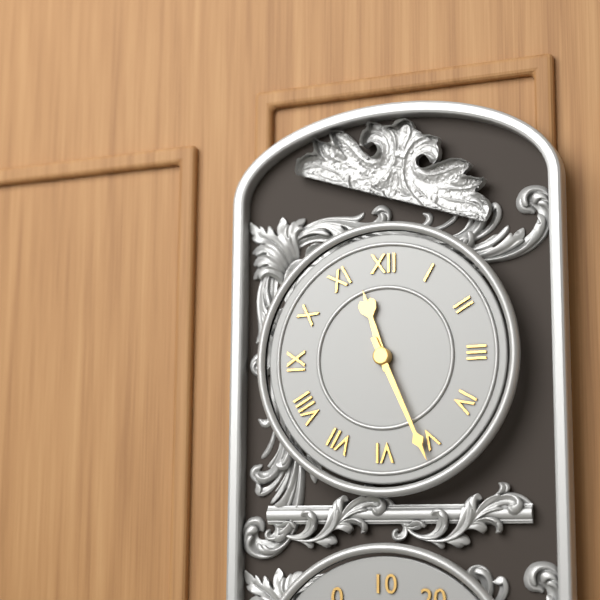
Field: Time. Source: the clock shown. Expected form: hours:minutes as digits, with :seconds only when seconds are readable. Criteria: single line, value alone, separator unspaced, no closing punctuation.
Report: 11:26
